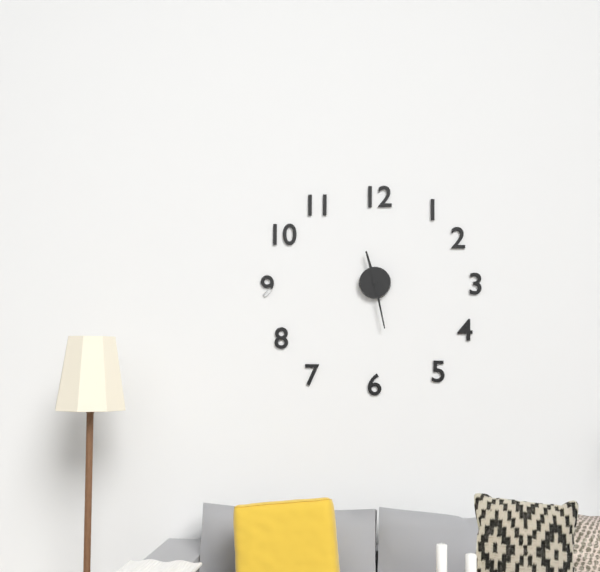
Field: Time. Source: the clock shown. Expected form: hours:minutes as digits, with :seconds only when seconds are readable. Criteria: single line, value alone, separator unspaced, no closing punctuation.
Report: 11:28
